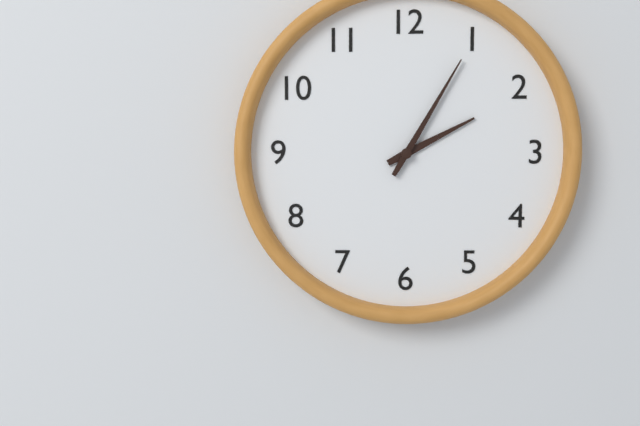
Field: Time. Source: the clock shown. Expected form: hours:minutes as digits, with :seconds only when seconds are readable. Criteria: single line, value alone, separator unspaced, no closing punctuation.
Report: 2:05
